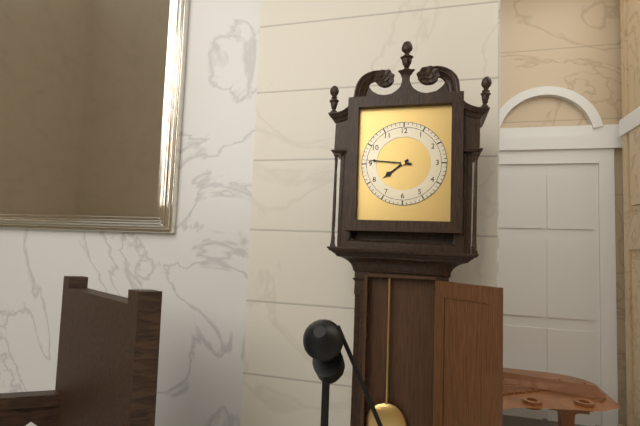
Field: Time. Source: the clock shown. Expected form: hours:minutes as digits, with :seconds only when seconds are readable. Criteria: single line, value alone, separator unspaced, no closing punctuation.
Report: 7:46
